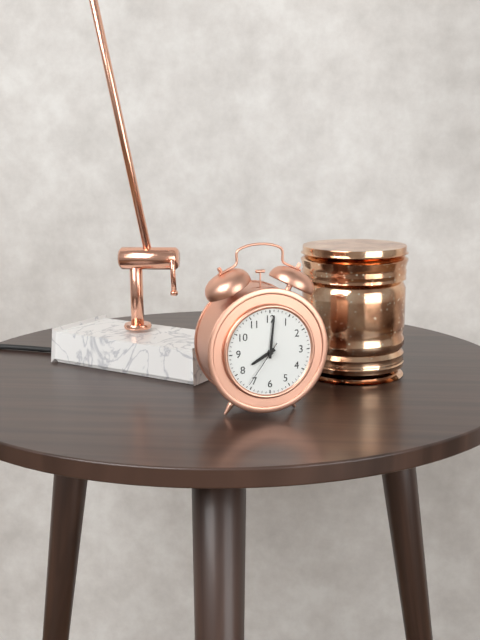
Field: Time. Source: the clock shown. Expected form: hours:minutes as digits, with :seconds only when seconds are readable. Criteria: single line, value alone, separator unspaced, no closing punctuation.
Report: 8:01
